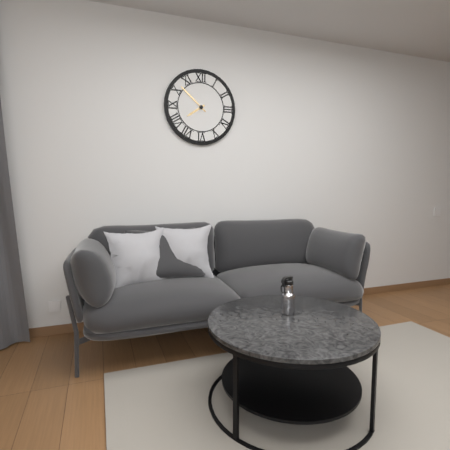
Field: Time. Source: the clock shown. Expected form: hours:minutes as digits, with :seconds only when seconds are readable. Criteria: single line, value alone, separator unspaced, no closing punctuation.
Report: 7:52
